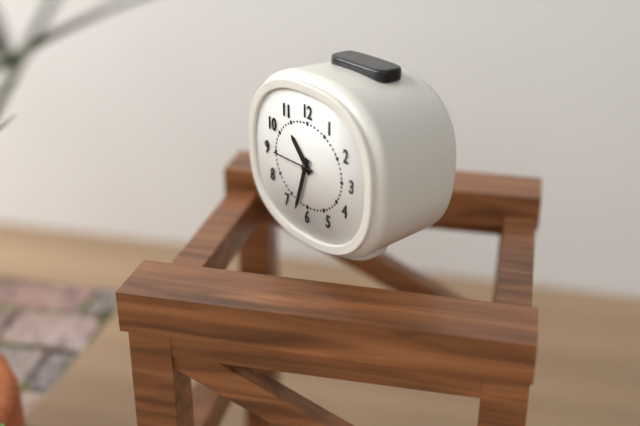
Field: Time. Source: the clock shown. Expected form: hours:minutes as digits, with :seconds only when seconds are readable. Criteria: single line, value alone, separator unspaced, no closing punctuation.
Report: 10:33
